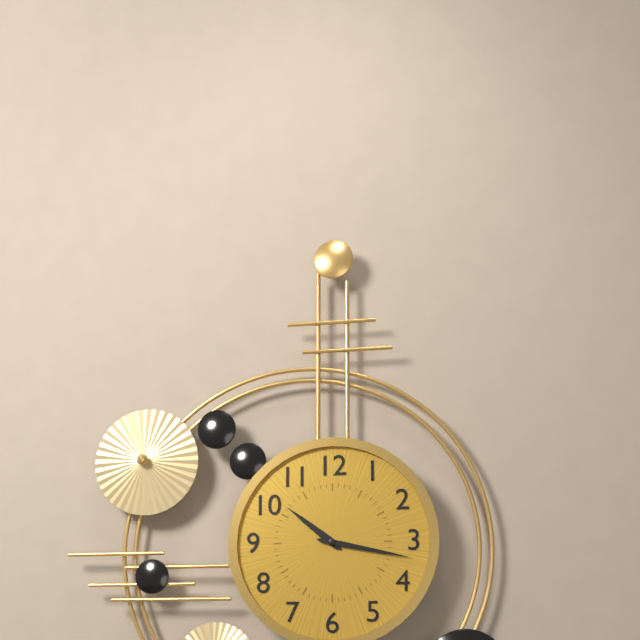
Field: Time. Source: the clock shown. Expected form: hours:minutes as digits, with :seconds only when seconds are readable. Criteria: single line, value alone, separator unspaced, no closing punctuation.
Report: 10:17
